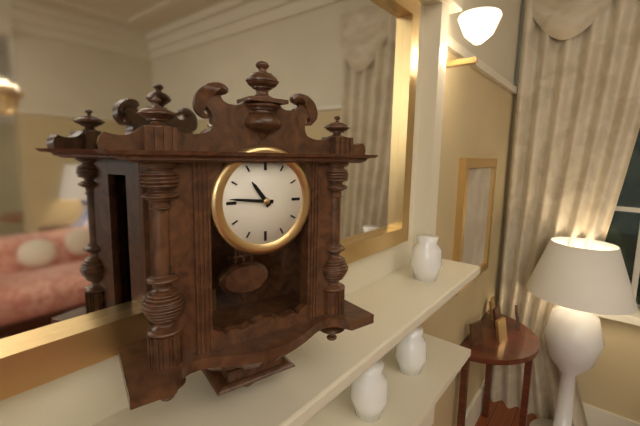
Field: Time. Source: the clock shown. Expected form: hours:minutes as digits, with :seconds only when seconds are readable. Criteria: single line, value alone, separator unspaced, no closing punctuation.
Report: 10:46
